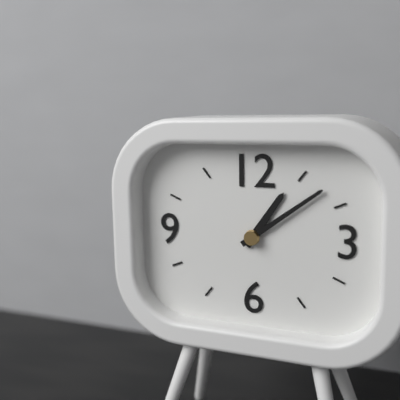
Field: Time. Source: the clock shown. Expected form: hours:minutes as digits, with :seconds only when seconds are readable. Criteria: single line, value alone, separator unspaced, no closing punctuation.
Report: 1:09
